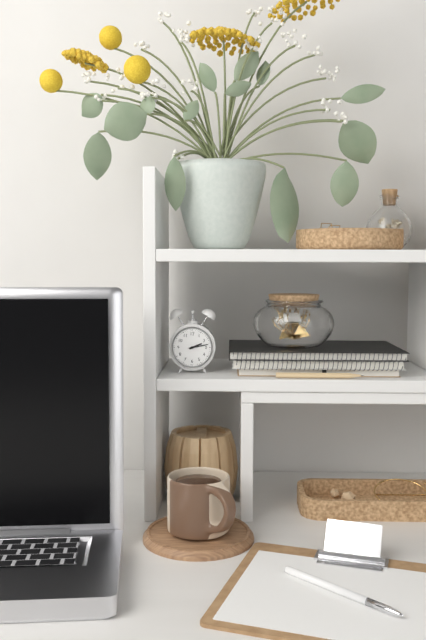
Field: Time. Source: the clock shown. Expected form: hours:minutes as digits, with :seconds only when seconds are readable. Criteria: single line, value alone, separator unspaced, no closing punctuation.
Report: 2:13
